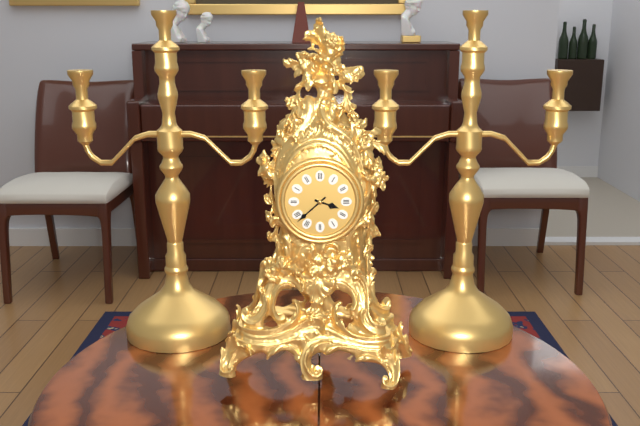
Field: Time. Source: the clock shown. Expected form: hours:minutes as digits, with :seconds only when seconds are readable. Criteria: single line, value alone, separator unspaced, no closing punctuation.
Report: 3:38
